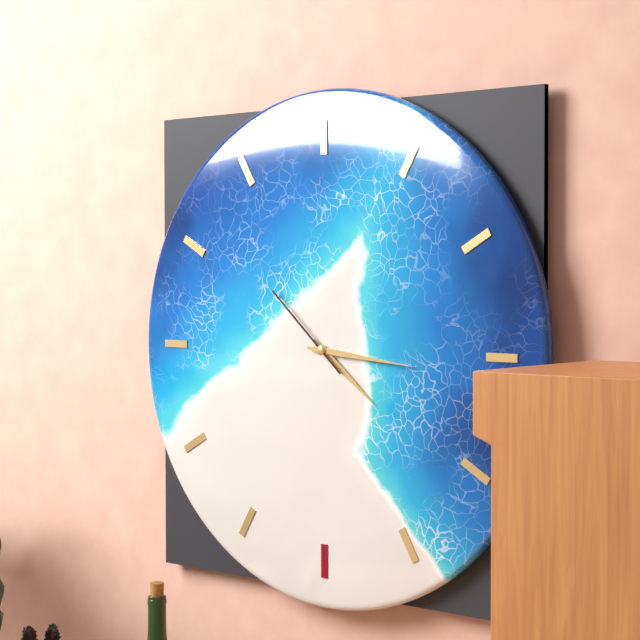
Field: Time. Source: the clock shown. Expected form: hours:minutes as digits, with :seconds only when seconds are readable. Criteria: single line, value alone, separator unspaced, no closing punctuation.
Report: 4:16:52
